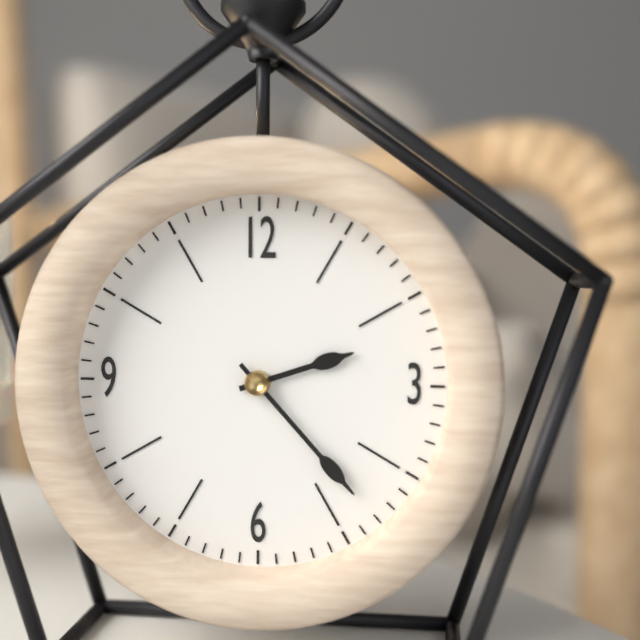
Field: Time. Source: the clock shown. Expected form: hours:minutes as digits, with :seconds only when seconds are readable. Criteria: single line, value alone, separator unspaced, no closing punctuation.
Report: 2:23
